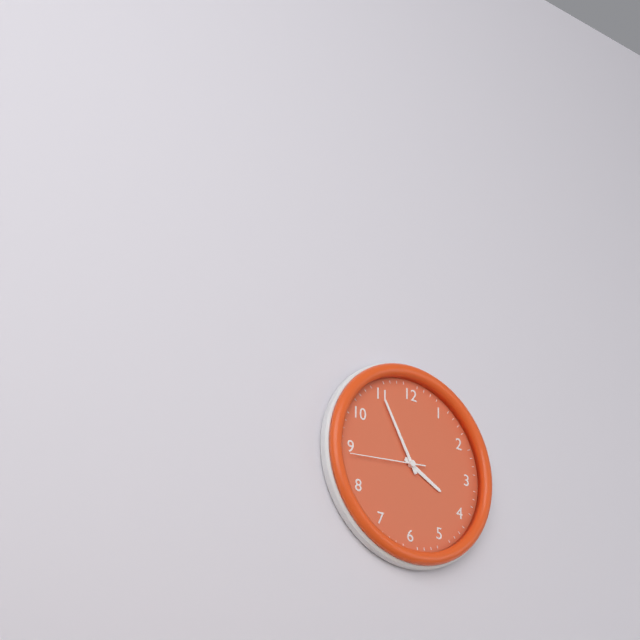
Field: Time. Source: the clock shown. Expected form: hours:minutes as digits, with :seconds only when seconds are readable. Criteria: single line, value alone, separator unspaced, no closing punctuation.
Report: 3:55:44
